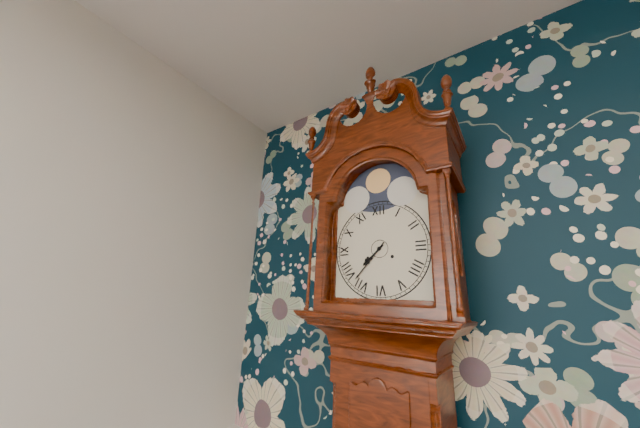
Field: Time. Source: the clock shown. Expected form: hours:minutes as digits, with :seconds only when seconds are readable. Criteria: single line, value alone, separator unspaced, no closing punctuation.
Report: 7:37
